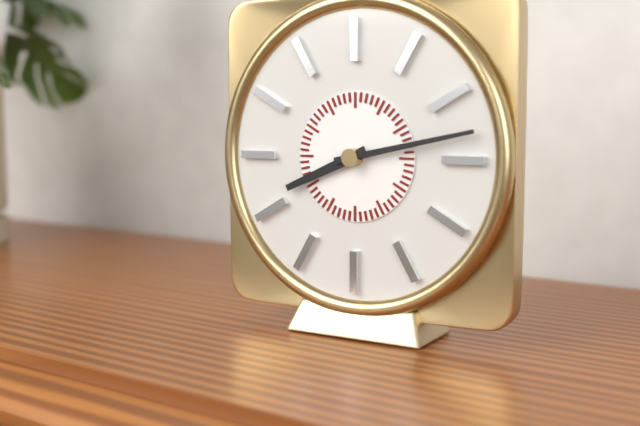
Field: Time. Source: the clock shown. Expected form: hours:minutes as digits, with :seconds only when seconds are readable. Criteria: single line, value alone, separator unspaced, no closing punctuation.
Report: 8:13
